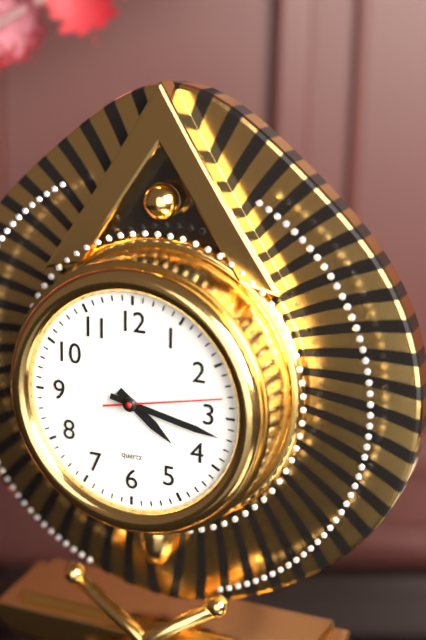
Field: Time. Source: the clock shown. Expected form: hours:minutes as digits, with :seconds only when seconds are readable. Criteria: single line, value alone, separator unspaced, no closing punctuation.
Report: 4:17:13
